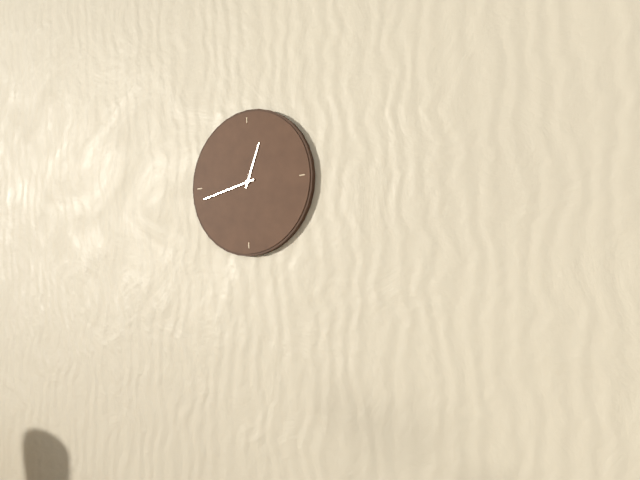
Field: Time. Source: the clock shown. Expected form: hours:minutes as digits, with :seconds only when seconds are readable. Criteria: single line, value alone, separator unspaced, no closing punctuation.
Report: 12:43
